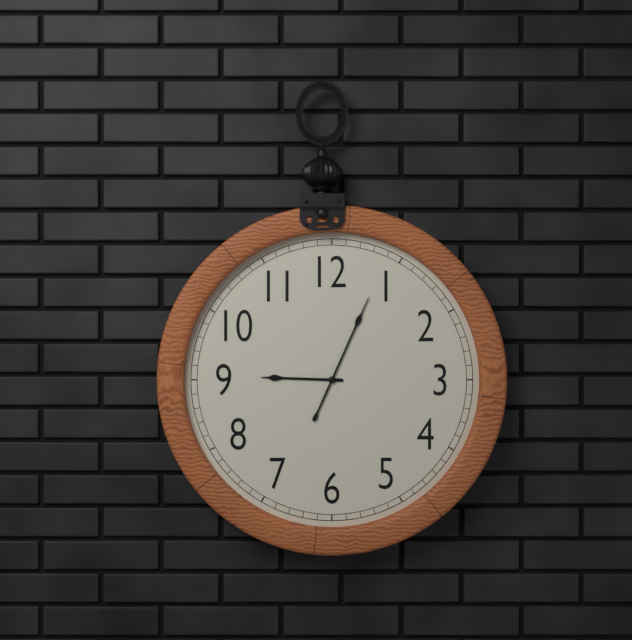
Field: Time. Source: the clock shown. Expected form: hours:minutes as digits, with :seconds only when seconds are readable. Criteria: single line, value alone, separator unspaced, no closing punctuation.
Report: 9:04
